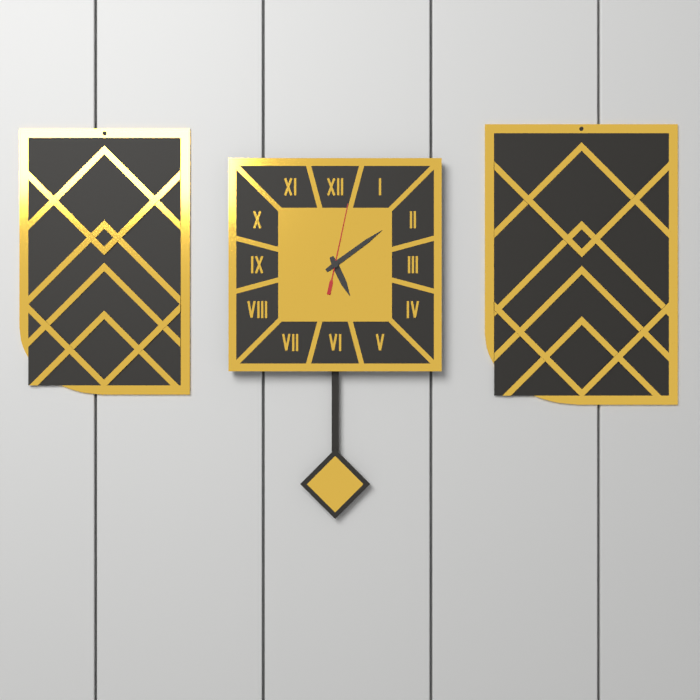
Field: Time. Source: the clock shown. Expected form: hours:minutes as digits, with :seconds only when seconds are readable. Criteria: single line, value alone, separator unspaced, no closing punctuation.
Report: 5:09:02
